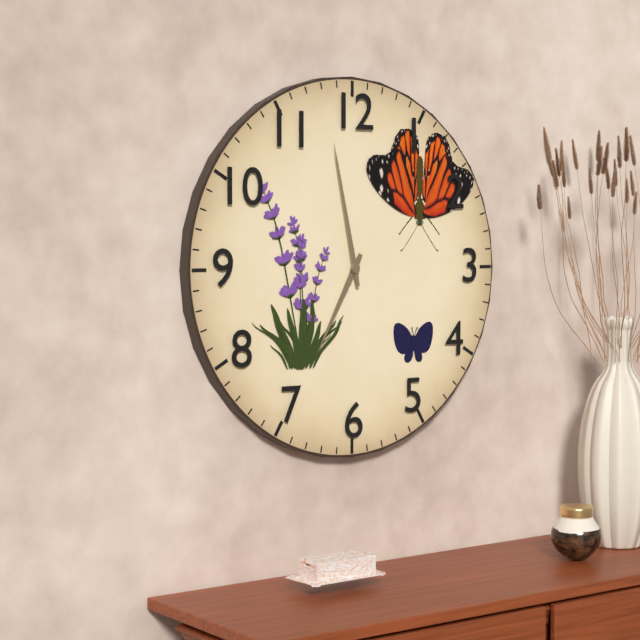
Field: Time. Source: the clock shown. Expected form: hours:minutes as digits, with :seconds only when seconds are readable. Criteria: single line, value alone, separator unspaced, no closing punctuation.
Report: 6:58
